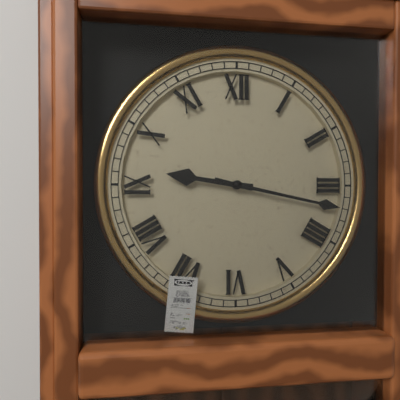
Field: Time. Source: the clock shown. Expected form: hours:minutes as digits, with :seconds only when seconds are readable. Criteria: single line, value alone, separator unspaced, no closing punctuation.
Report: 9:17
